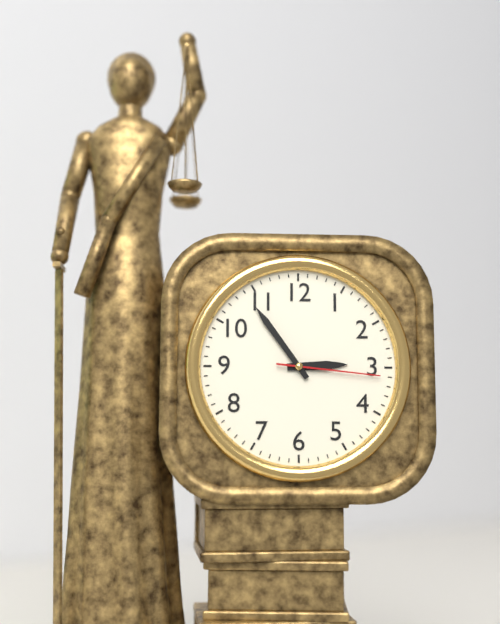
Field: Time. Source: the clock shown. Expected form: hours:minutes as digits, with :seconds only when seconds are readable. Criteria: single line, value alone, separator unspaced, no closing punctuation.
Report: 2:54:16
